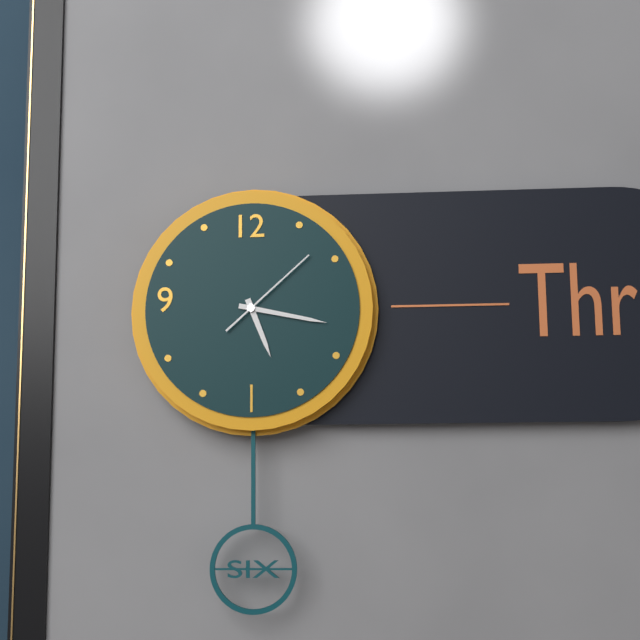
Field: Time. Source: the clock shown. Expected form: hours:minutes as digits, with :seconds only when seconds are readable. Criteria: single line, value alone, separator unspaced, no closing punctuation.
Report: 5:17:08
